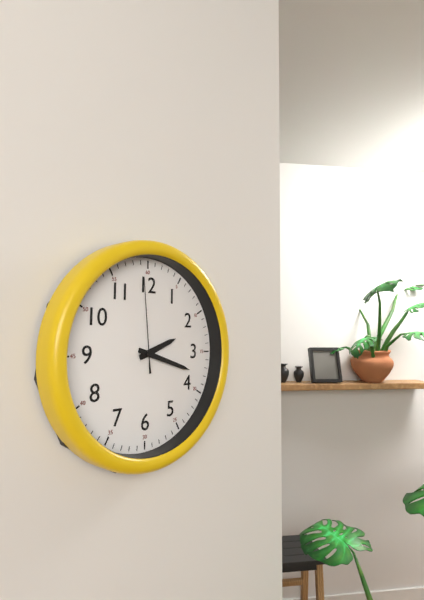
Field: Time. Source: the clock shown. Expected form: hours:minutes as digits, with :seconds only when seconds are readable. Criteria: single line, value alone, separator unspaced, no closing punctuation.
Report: 2:18:59
